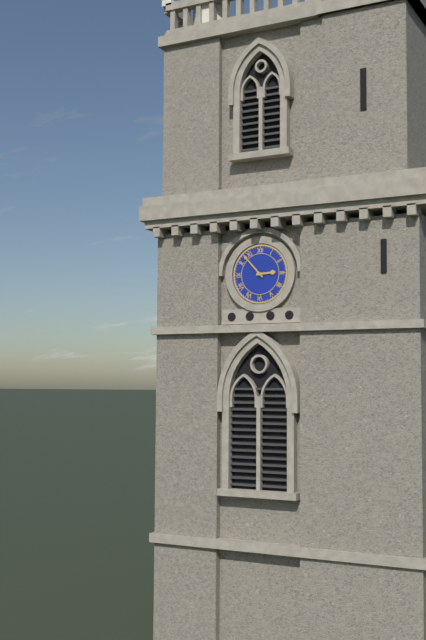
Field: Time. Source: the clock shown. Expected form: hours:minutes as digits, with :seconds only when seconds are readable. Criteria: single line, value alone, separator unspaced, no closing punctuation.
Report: 2:53
